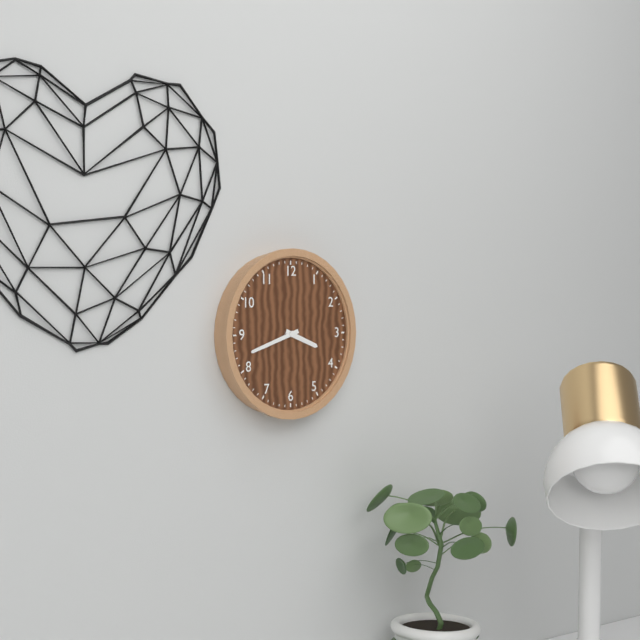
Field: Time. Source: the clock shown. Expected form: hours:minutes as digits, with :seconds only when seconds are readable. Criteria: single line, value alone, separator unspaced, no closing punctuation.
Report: 3:42
